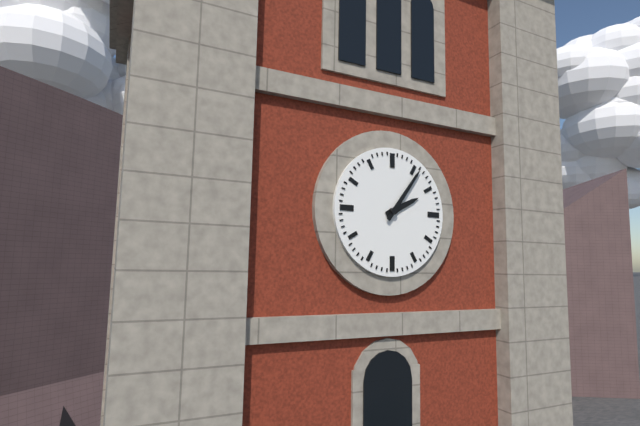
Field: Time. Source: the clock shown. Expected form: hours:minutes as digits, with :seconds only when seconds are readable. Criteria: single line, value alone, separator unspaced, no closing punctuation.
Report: 2:06
